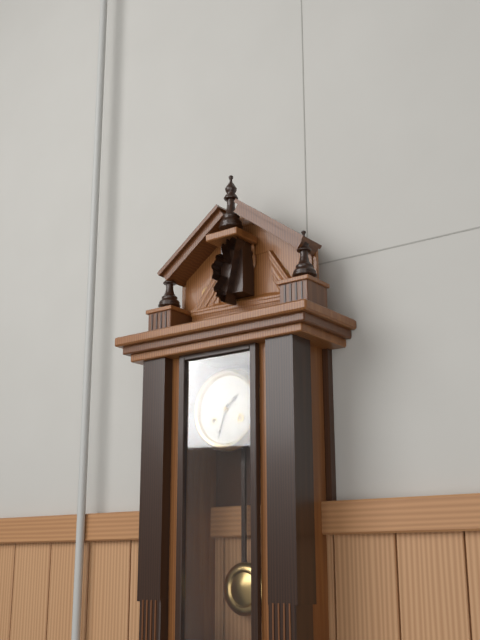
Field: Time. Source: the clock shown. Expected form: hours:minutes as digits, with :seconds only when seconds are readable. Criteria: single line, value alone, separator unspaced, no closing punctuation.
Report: 1:33
